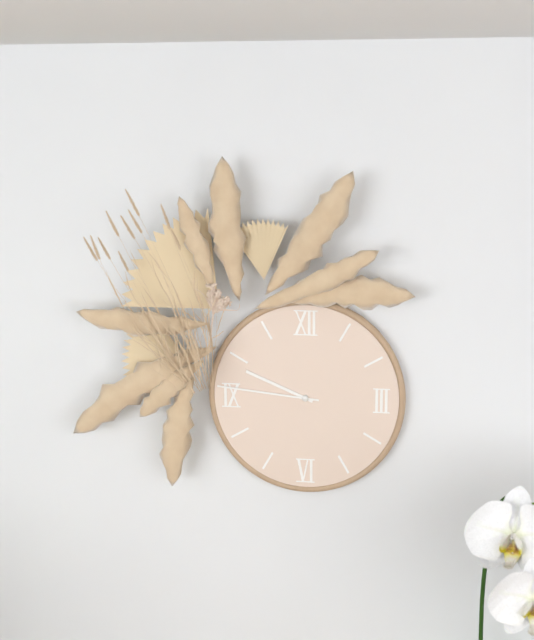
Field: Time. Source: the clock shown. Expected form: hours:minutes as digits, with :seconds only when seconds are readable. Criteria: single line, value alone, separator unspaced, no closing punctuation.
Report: 9:46
